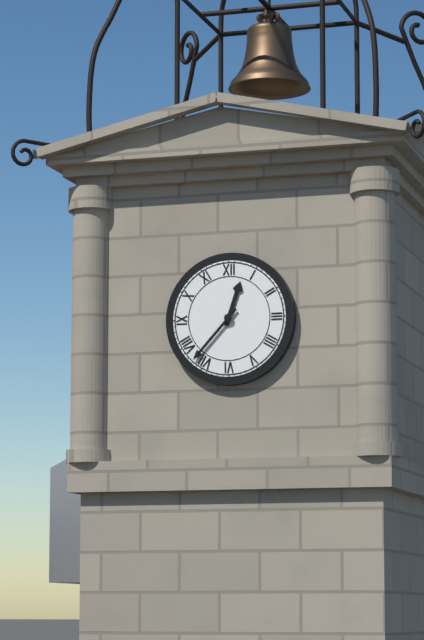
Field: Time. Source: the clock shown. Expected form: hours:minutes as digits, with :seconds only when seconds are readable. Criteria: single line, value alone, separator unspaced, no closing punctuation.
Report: 12:37
